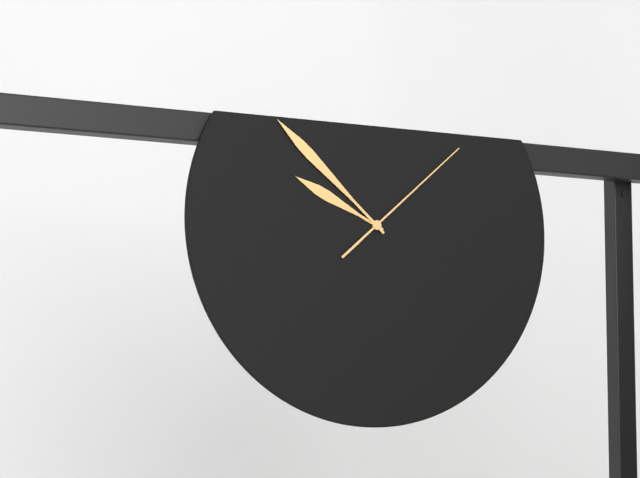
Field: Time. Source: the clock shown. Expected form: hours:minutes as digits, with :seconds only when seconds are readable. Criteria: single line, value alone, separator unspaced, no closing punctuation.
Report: 9:52:08
